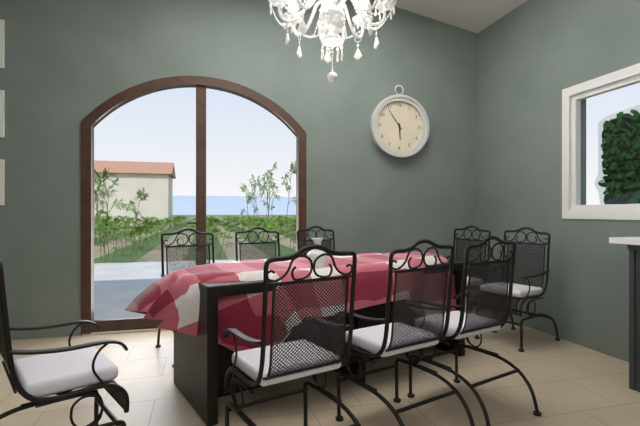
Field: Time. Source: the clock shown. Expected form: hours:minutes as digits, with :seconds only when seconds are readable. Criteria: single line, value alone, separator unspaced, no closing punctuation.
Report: 5:54
